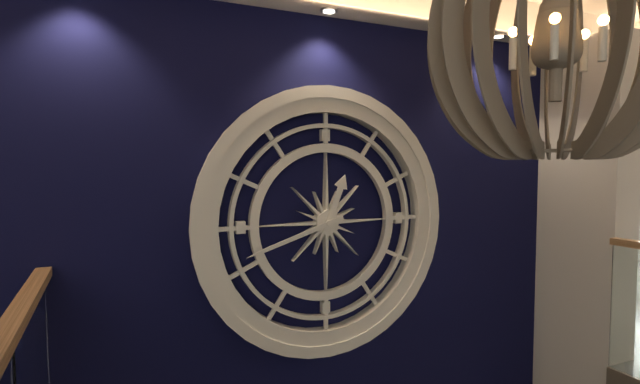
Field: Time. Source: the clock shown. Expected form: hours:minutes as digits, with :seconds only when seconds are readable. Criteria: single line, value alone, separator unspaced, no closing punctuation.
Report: 12:42
